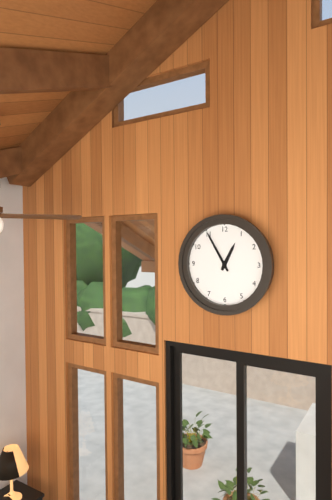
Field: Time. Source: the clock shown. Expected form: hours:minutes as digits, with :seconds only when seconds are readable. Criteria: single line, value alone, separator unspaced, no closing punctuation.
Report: 12:55
